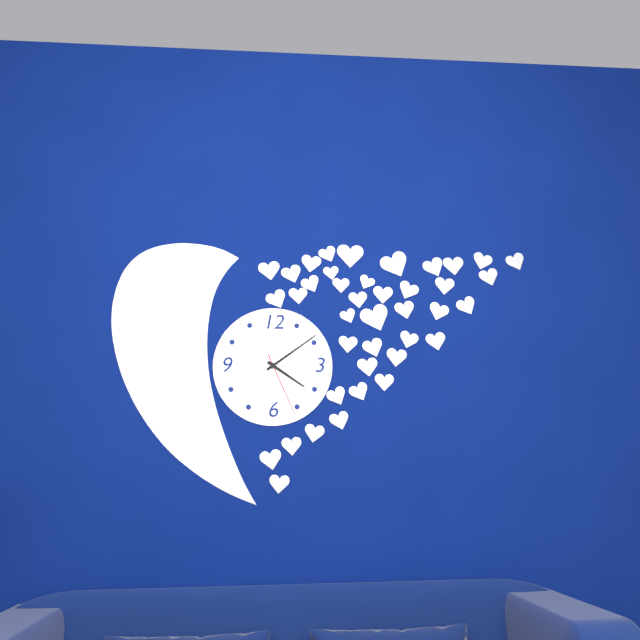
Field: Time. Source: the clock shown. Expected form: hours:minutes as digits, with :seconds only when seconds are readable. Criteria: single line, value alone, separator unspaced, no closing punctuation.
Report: 4:09:26
